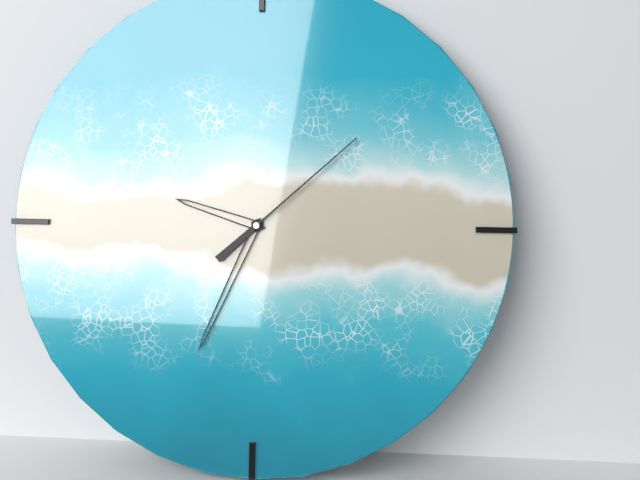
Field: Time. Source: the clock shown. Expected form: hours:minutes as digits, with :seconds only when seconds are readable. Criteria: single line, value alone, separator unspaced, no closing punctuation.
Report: 9:34:08
